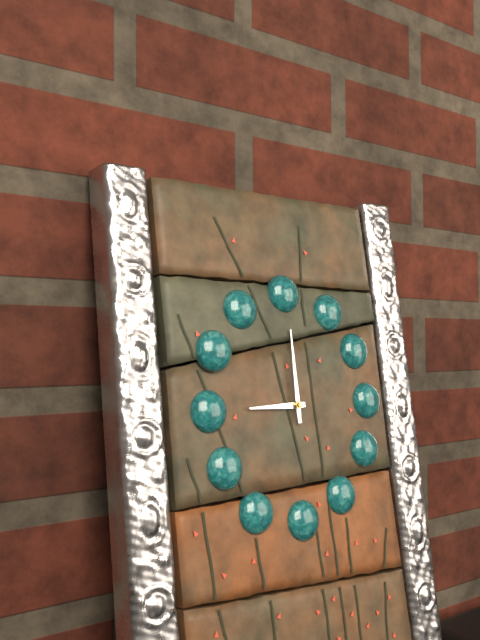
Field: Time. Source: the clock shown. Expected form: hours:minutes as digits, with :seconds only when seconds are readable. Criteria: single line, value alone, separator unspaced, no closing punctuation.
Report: 9:00
